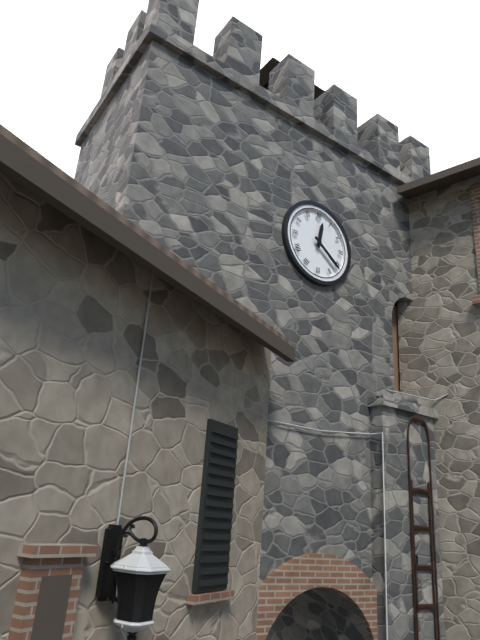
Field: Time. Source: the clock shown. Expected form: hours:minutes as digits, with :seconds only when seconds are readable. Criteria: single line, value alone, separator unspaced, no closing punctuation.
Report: 12:21
